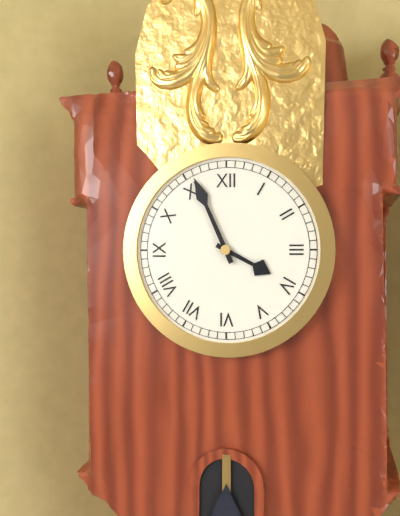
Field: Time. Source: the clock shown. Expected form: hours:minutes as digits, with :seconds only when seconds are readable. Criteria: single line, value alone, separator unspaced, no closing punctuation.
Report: 3:56
